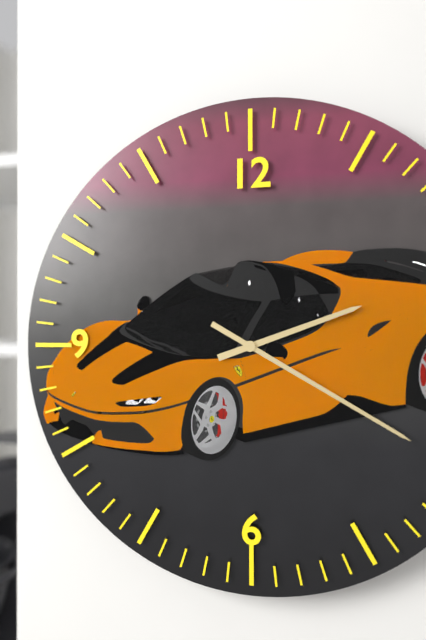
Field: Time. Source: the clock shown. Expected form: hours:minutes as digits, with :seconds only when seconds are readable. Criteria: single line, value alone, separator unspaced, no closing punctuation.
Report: 2:20
